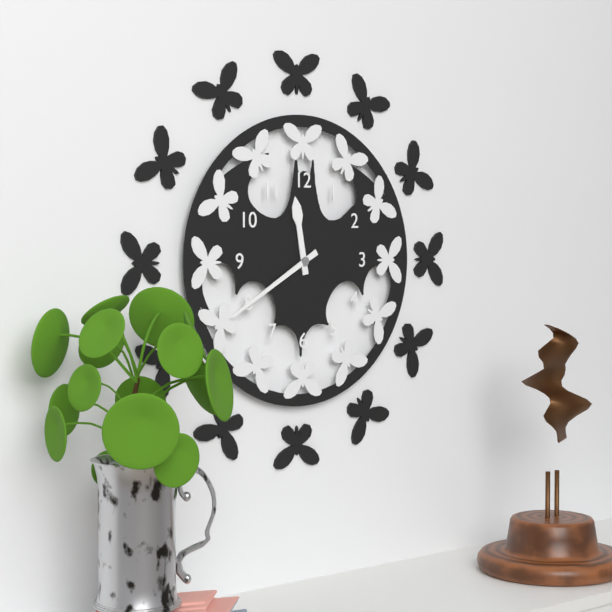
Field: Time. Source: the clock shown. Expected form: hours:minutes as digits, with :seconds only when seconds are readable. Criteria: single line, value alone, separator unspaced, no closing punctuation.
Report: 11:40
